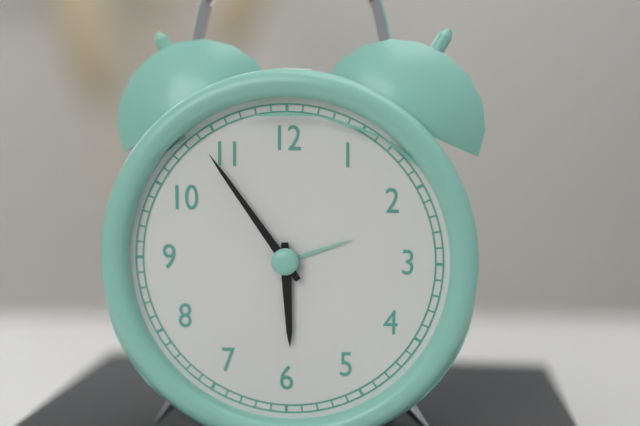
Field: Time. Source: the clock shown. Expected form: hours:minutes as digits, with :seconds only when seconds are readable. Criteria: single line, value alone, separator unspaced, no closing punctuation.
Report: 5:54
